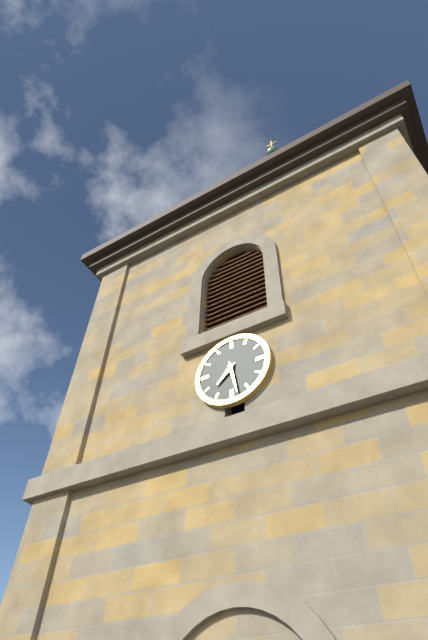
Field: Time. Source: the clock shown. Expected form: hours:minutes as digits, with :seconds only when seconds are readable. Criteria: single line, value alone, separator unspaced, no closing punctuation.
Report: 7:28
